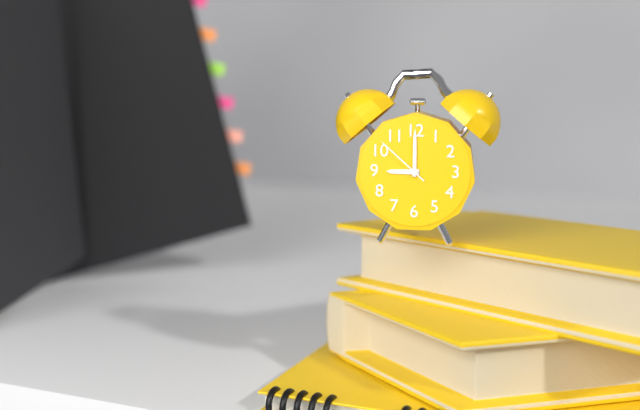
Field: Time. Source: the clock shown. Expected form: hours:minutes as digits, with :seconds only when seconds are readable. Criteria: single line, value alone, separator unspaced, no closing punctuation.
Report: 9:00:52
